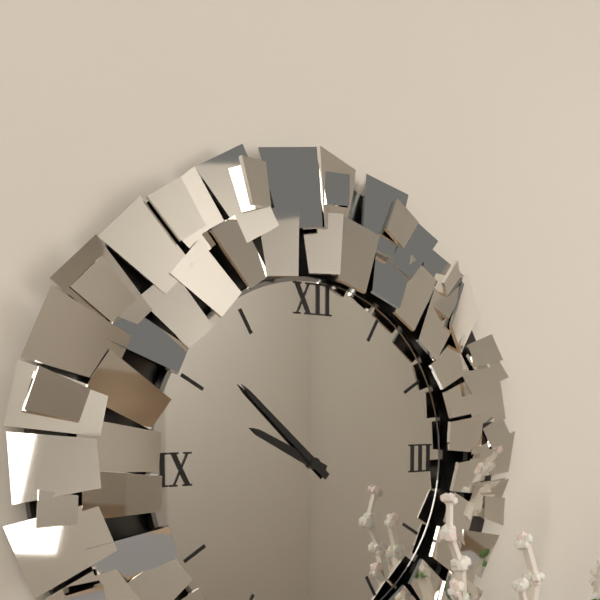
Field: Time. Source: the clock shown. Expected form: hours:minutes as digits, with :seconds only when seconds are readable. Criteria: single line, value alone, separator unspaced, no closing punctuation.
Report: 9:52
